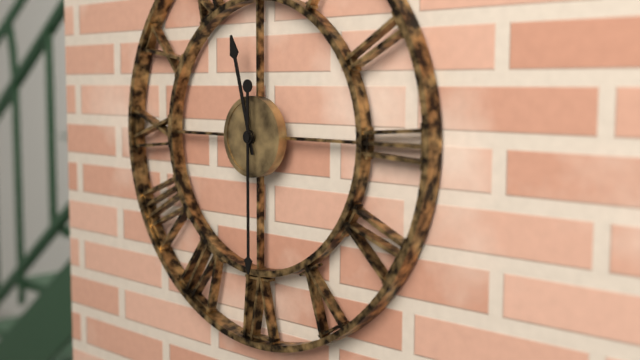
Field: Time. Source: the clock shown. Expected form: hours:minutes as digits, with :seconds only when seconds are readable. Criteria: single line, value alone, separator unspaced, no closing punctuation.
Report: 11:30
